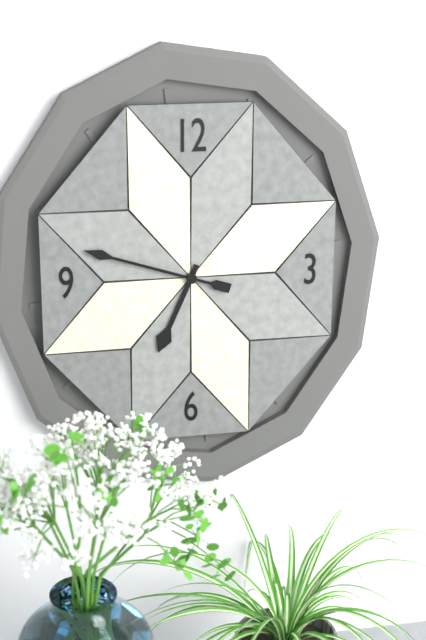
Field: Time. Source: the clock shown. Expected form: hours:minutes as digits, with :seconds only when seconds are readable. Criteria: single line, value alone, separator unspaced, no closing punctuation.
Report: 6:48
